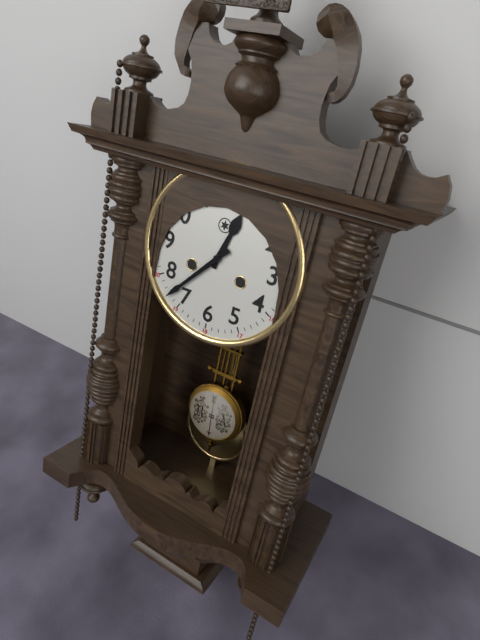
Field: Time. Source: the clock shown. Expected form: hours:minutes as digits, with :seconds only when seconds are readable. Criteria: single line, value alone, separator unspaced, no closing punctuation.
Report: 12:37
